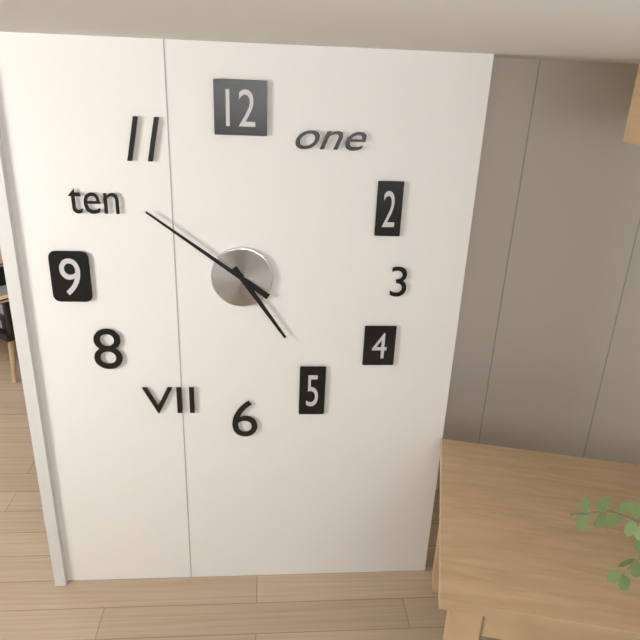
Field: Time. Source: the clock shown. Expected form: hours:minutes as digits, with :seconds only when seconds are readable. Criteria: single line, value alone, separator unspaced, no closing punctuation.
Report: 4:51
